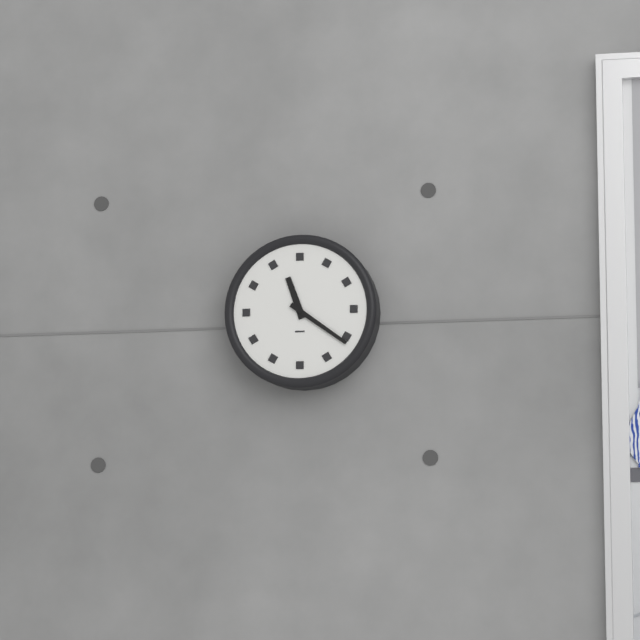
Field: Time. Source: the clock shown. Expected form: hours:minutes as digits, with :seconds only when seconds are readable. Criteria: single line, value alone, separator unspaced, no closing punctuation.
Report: 11:21
